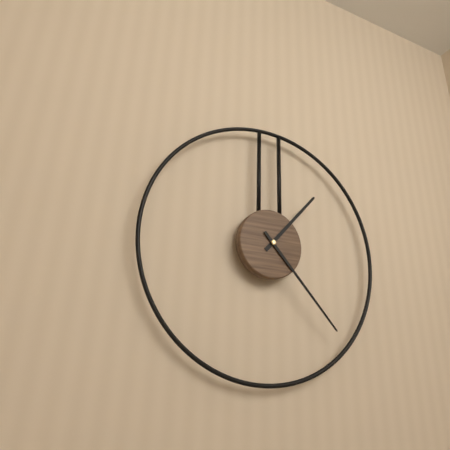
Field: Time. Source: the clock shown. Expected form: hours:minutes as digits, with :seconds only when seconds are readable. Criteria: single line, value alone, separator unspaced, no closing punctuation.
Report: 1:23
